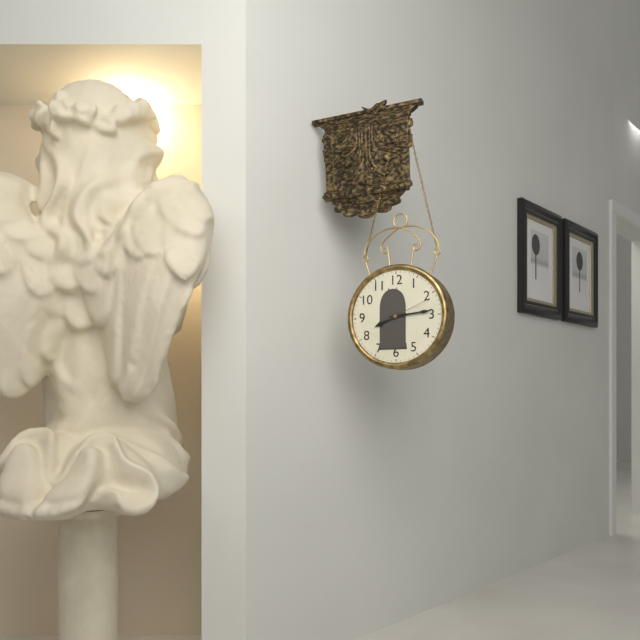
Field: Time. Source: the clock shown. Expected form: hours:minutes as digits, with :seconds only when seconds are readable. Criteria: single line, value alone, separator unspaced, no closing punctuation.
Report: 8:14
